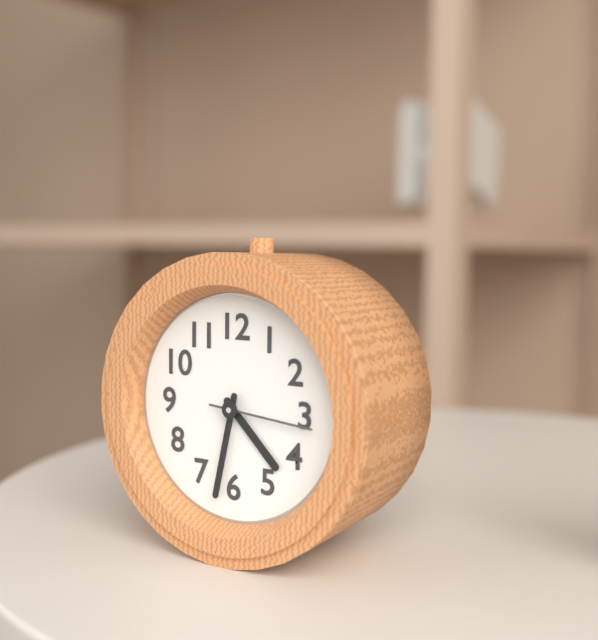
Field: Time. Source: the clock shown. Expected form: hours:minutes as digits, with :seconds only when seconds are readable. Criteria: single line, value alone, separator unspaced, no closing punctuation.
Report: 4:32:16
